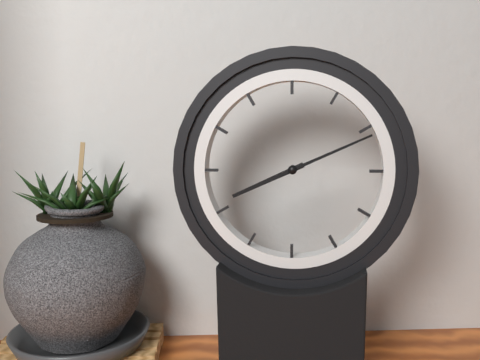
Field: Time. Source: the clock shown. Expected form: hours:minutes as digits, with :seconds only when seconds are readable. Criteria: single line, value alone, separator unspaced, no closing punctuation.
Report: 8:11
